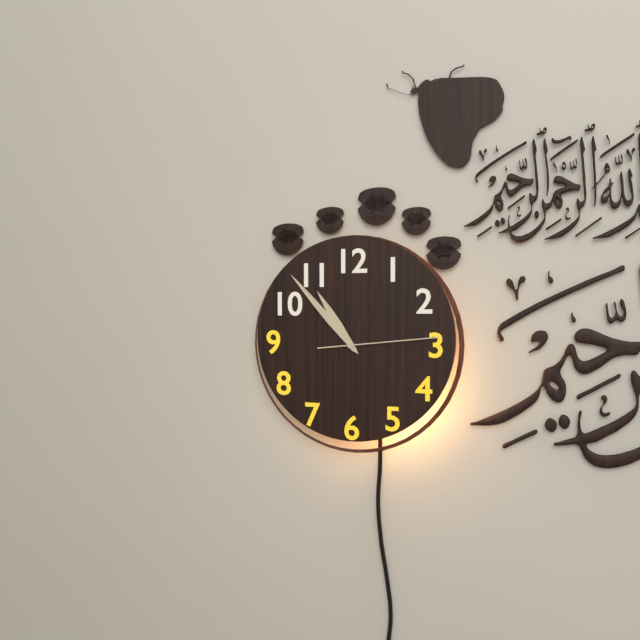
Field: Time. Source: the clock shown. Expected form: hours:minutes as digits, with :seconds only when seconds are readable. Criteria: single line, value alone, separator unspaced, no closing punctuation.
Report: 10:53:14
